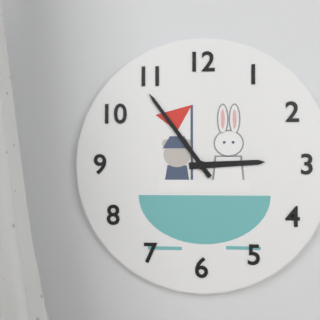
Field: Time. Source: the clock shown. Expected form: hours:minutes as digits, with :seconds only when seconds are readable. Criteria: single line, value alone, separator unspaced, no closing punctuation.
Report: 2:54
